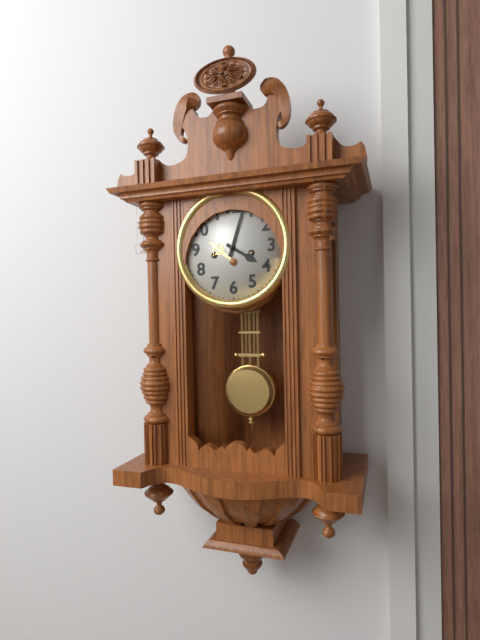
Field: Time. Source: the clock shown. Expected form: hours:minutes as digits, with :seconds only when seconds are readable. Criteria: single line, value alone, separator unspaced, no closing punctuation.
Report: 4:03
